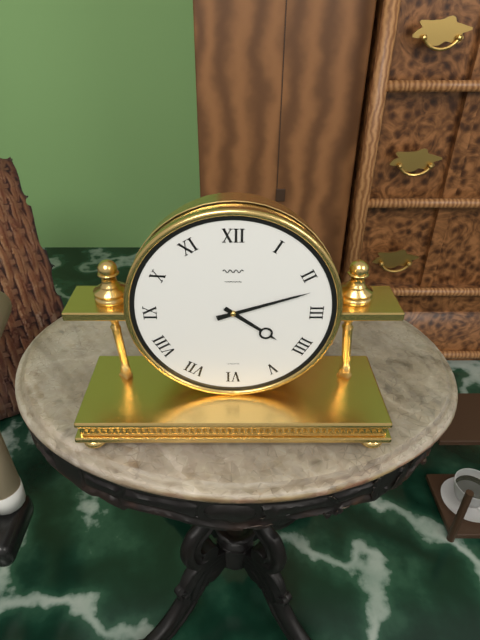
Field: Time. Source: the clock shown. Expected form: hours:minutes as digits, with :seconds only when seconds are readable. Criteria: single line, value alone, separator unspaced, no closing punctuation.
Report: 4:12
